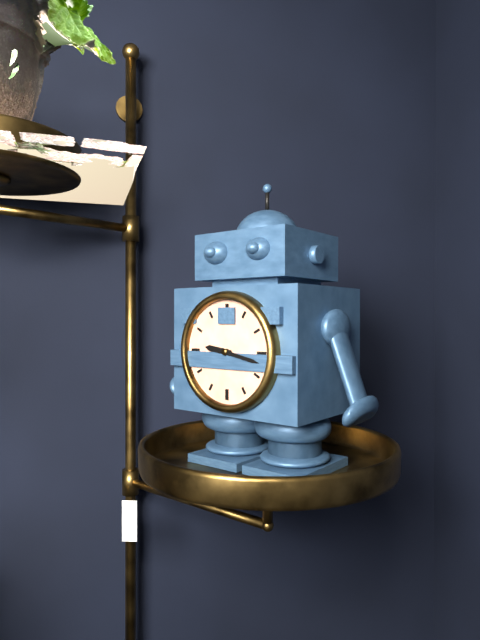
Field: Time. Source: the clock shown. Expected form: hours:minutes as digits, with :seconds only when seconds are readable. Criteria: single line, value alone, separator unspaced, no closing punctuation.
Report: 9:17
